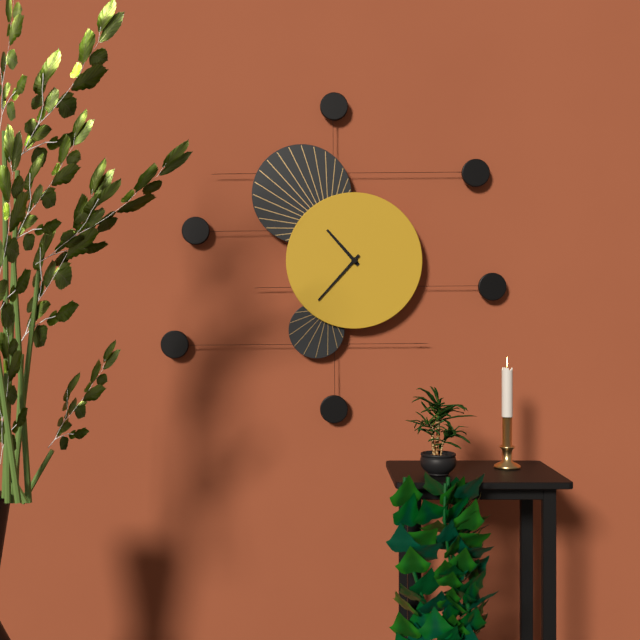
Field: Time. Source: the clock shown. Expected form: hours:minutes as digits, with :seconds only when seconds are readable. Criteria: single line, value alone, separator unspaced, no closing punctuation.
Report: 10:37
